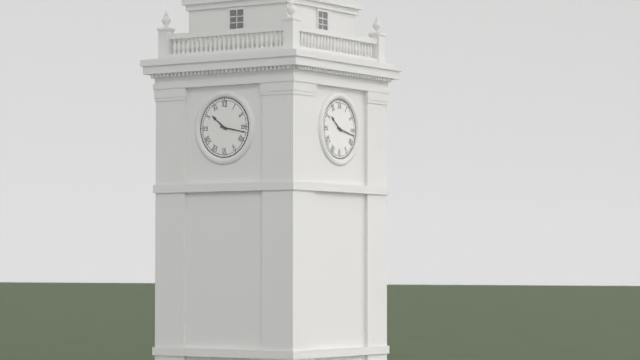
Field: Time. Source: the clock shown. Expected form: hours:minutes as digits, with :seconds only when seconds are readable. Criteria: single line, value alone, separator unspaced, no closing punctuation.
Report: 10:17
